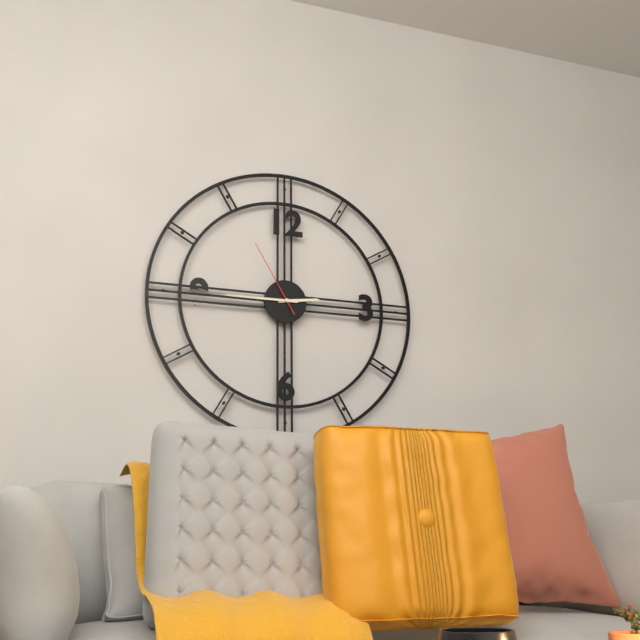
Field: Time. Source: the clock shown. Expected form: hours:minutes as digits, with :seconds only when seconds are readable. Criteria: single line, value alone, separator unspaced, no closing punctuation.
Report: 2:45:55
